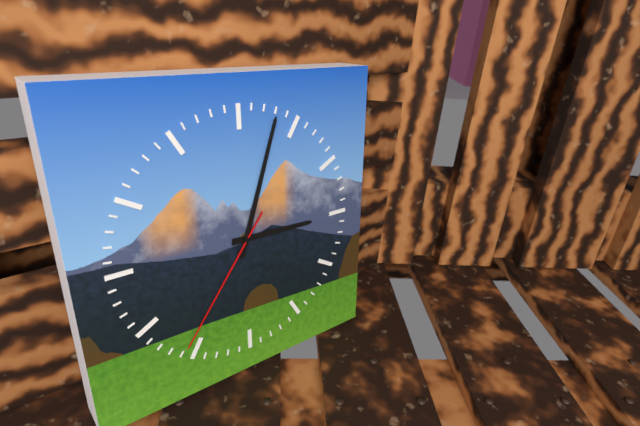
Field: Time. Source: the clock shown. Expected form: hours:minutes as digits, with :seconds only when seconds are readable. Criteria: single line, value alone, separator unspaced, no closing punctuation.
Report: 3:03:36
